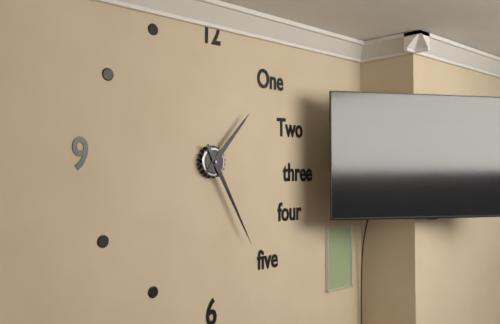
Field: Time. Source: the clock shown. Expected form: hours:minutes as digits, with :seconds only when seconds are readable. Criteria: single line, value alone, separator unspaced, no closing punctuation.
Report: 1:25
